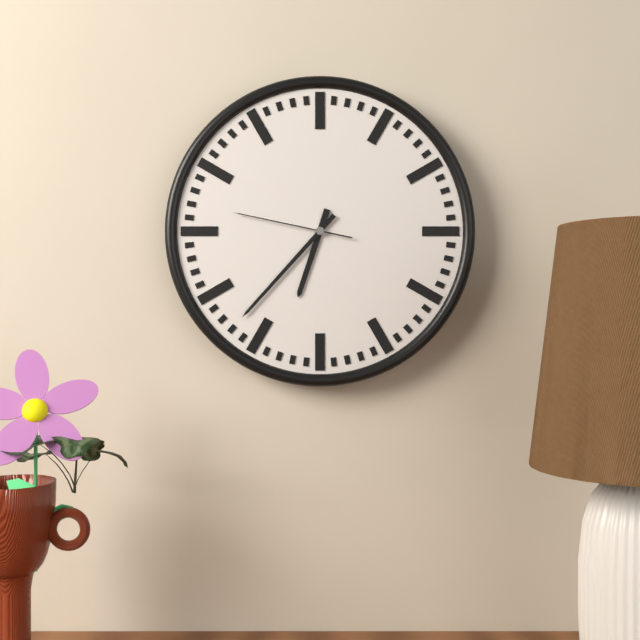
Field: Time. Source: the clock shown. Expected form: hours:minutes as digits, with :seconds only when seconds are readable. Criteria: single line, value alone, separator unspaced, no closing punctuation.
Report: 6:37:47
